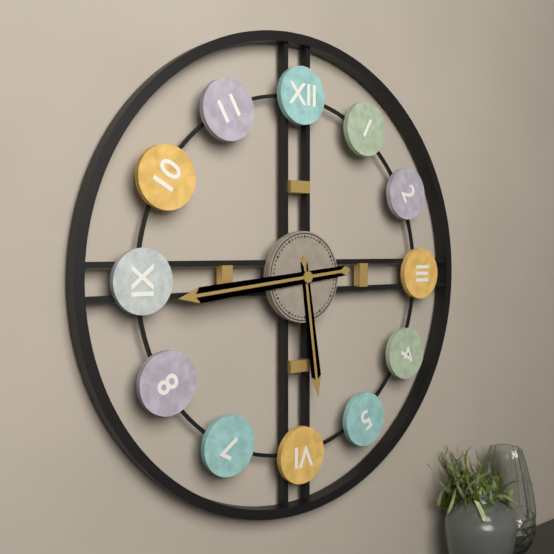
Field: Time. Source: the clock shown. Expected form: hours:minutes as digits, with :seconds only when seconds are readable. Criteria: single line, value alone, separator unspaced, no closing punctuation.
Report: 5:44
